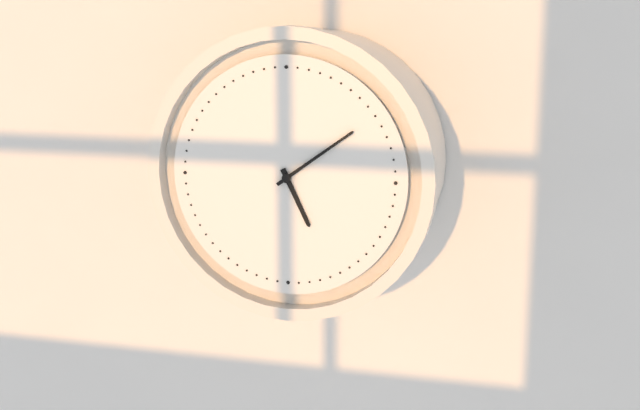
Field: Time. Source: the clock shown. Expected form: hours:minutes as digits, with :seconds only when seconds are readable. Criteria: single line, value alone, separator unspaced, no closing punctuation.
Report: 5:09
